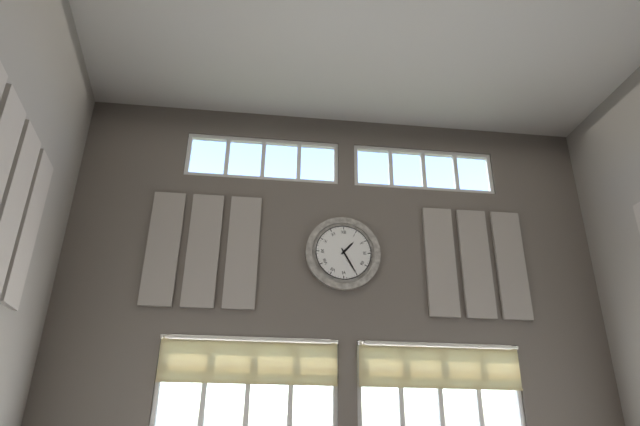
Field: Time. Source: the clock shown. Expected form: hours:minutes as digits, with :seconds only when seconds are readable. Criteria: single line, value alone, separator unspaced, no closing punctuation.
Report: 1:25
